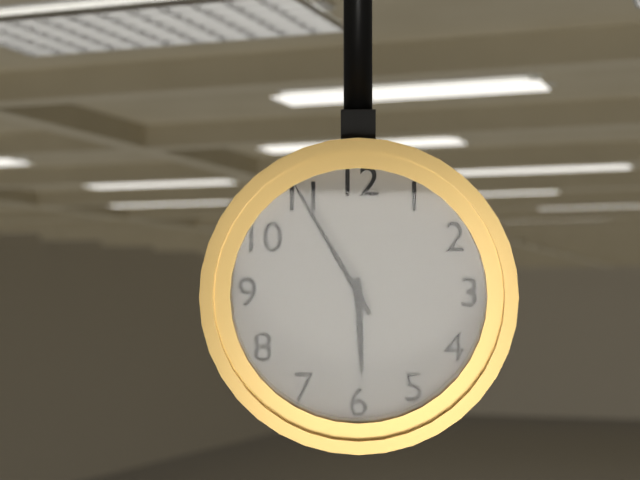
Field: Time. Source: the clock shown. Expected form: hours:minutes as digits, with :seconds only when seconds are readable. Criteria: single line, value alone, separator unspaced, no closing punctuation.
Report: 5:55
